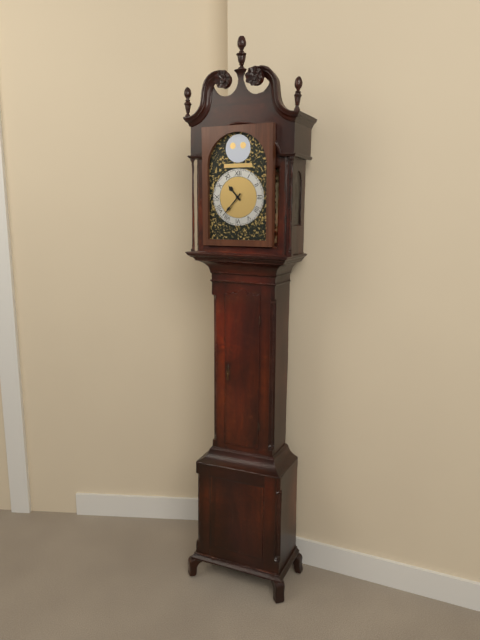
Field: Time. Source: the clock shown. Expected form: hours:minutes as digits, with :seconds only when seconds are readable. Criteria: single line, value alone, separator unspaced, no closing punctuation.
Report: 10:37
